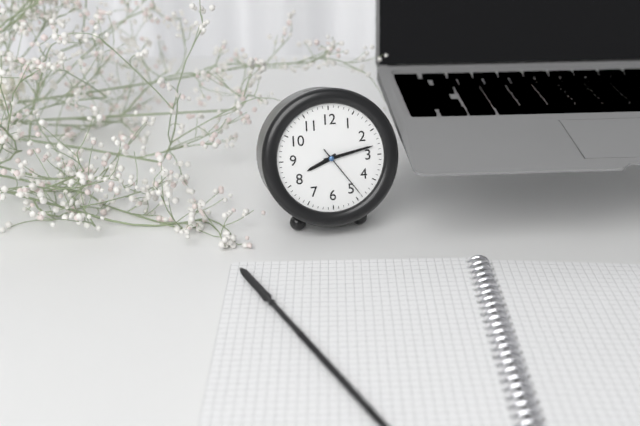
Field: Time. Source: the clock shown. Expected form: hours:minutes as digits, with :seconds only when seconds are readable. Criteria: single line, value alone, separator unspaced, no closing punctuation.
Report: 8:13:24
